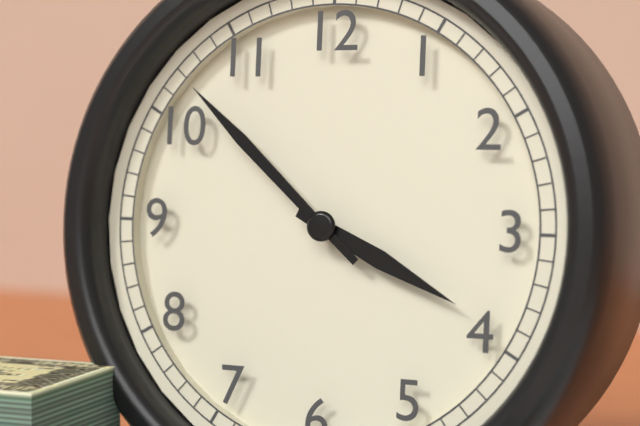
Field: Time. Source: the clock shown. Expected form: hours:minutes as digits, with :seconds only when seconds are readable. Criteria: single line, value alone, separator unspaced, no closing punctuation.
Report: 3:52
